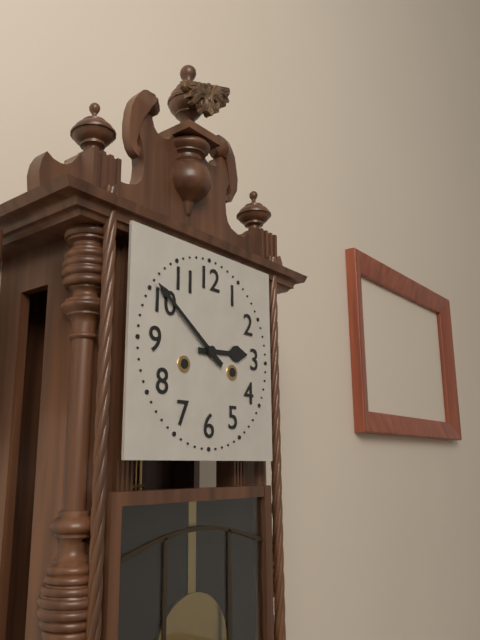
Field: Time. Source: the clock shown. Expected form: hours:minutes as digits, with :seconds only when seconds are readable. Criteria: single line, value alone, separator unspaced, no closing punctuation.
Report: 2:51
